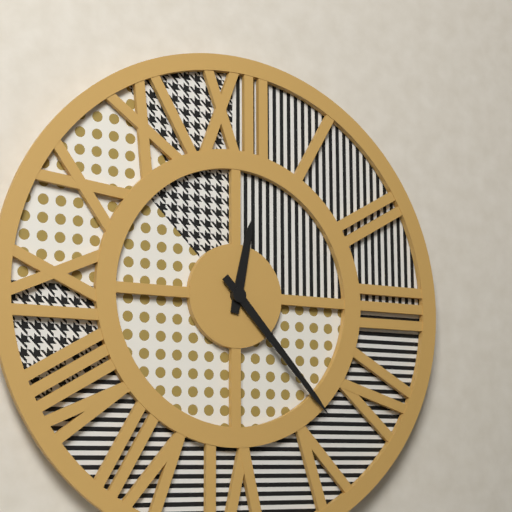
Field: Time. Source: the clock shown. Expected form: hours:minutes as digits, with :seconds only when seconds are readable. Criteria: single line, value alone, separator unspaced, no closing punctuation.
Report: 12:23
